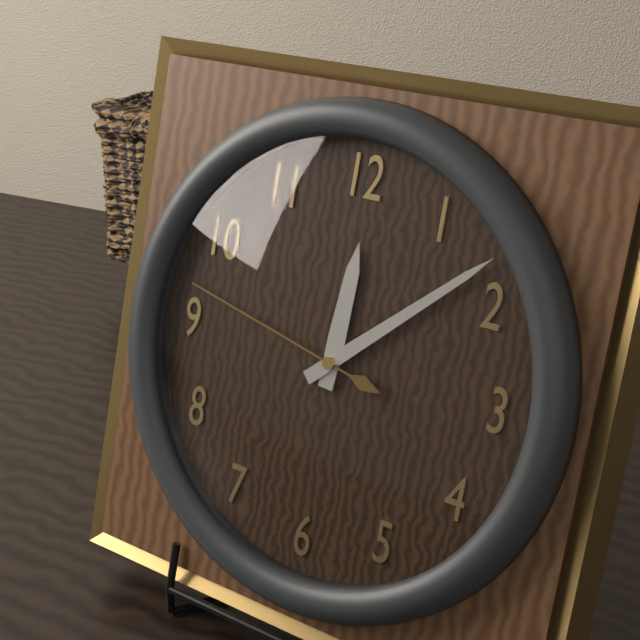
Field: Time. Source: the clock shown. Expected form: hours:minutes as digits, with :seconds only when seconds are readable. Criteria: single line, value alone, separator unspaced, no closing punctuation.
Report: 12:08:47
